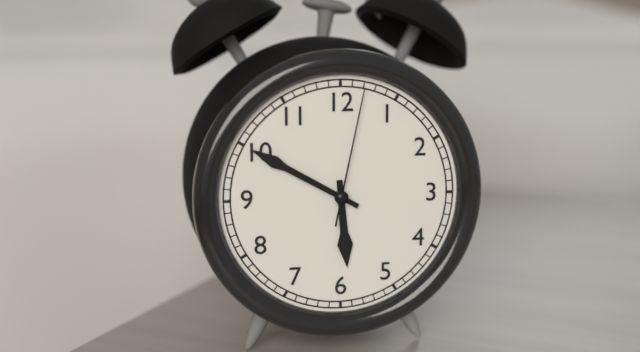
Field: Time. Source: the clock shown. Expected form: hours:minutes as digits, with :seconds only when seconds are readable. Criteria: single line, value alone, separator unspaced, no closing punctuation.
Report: 5:50:02
